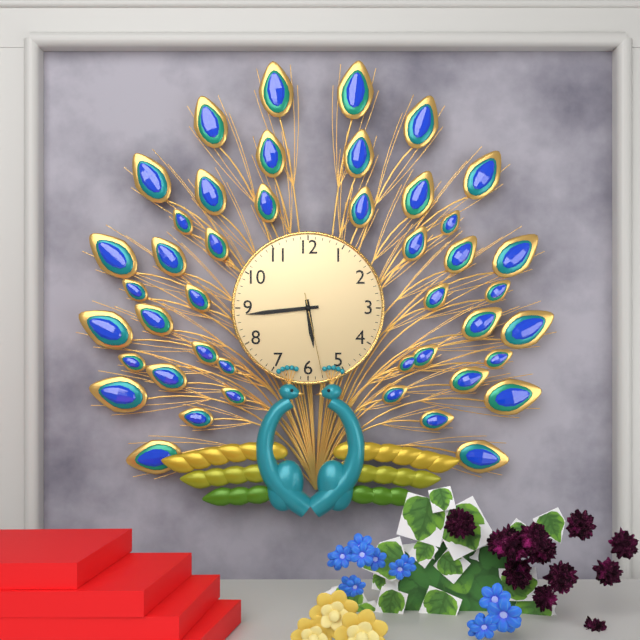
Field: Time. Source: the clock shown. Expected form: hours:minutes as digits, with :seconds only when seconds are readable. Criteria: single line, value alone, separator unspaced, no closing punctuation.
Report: 5:44:28
